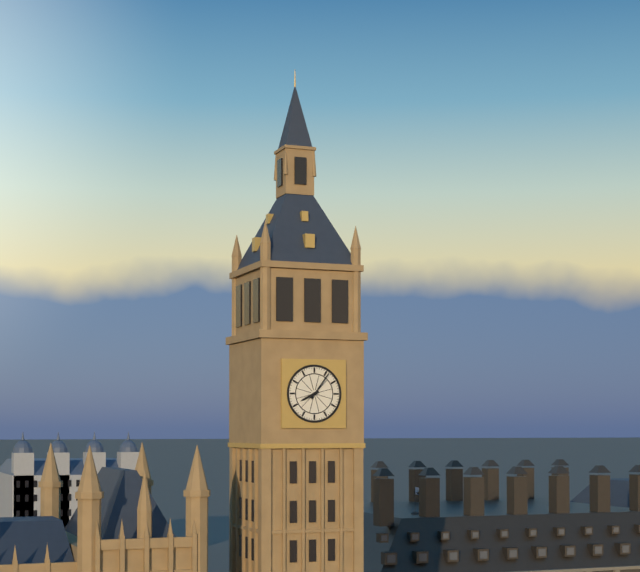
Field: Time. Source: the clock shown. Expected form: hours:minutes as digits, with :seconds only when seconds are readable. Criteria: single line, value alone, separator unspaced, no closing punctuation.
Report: 8:06
